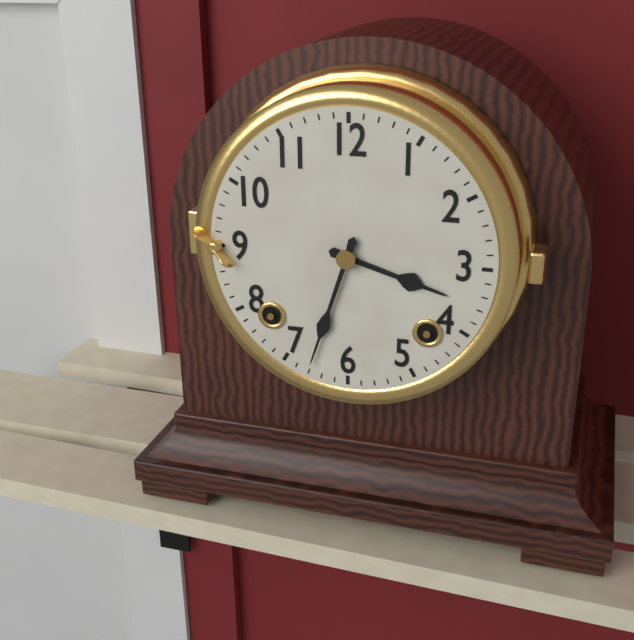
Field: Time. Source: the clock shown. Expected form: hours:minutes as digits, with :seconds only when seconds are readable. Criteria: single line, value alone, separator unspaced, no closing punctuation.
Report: 3:33
